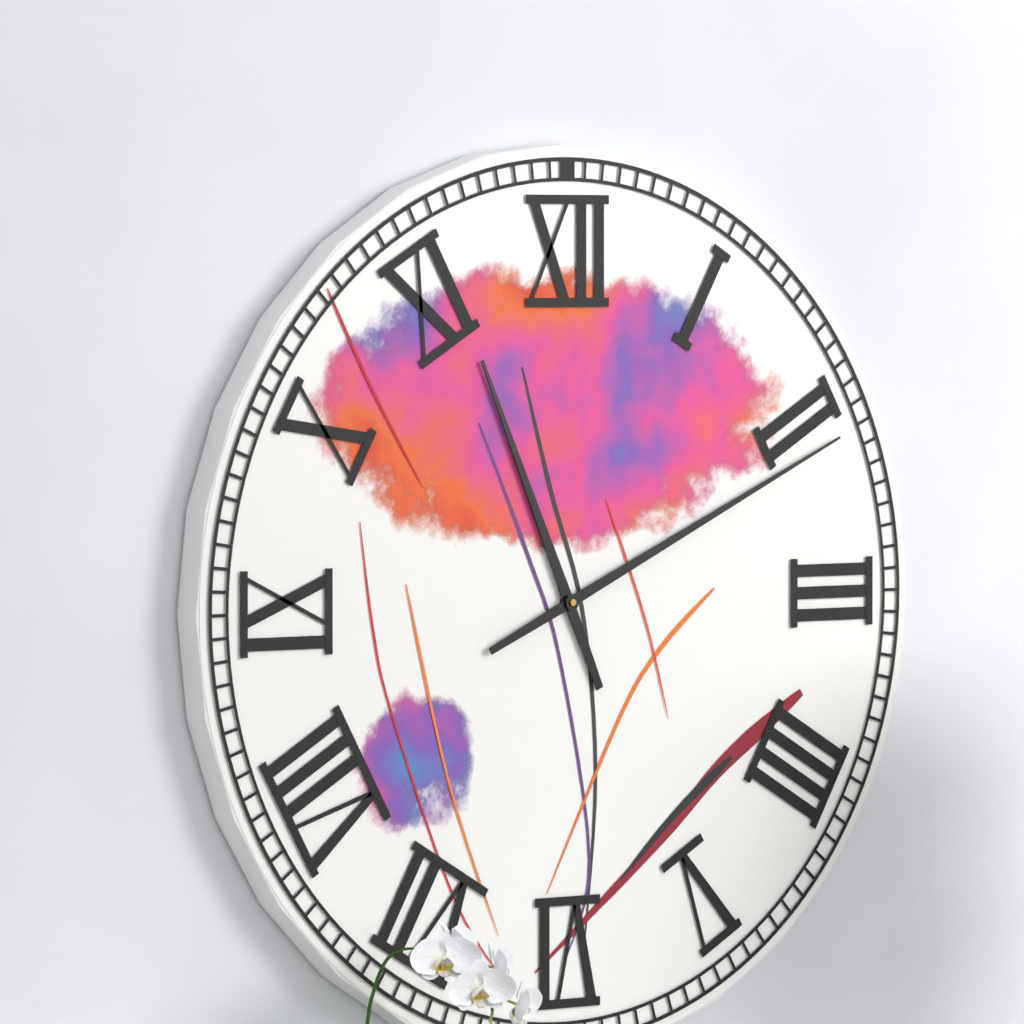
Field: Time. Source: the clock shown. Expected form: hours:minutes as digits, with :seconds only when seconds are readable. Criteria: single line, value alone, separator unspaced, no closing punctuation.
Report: 11:11
